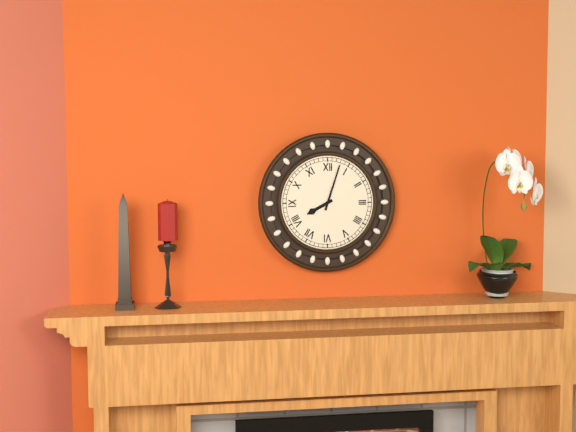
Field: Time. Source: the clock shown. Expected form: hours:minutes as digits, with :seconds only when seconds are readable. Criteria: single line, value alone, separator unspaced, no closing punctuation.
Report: 8:03
